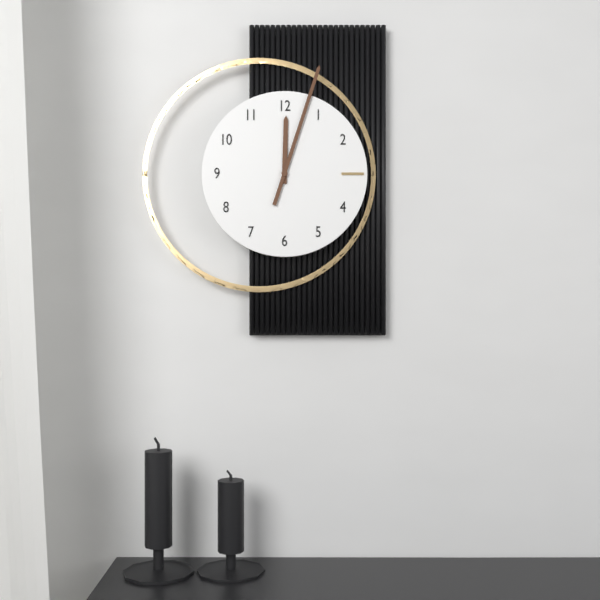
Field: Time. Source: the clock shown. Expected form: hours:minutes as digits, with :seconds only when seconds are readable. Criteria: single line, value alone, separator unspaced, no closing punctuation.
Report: 12:03
